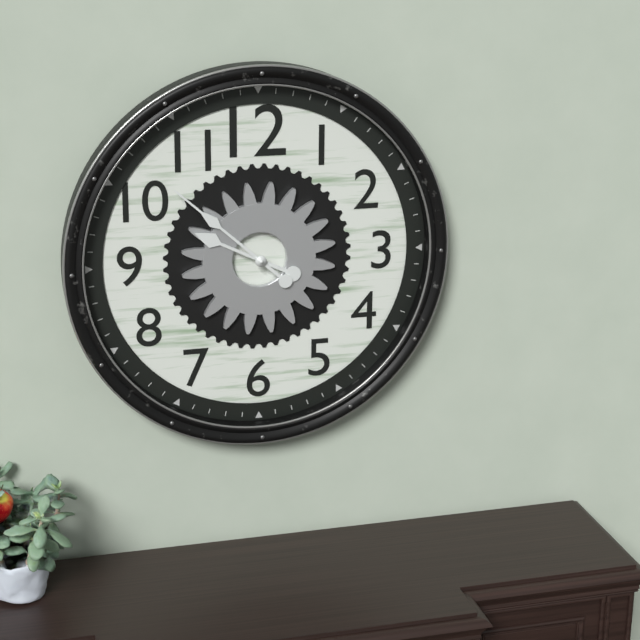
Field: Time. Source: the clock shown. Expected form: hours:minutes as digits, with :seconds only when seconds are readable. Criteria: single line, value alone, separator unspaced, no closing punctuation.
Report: 9:52
